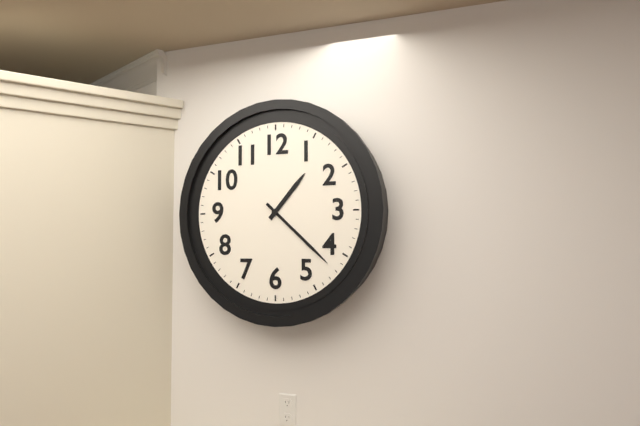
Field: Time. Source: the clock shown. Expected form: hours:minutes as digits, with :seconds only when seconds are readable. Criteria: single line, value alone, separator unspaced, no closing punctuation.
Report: 1:22
